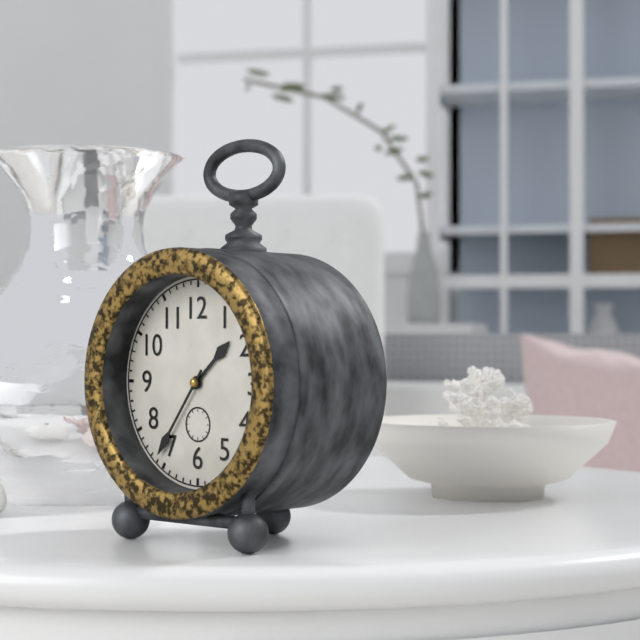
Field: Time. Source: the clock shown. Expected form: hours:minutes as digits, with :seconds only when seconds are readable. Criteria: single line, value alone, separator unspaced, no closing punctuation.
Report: 1:36
